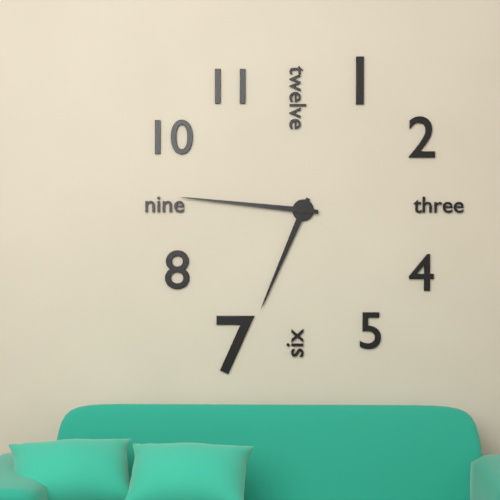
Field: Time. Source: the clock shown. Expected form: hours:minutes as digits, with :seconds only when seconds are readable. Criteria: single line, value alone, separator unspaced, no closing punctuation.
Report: 6:46
